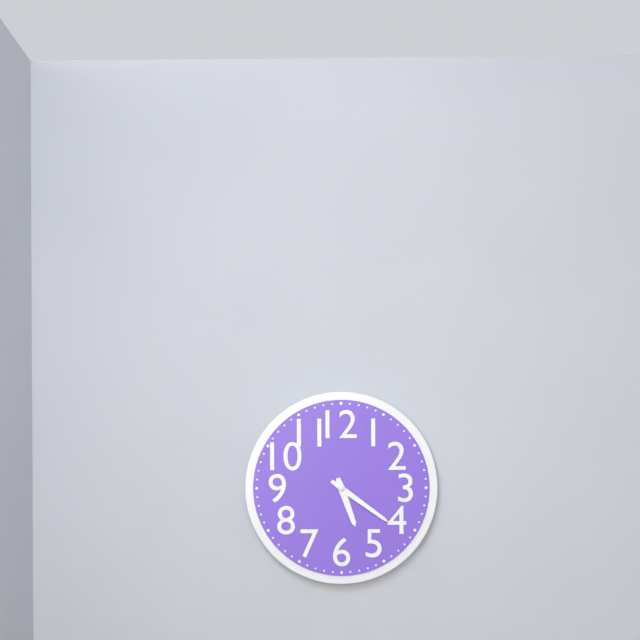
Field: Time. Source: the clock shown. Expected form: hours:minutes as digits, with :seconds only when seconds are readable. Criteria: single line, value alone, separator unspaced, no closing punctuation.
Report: 5:21
